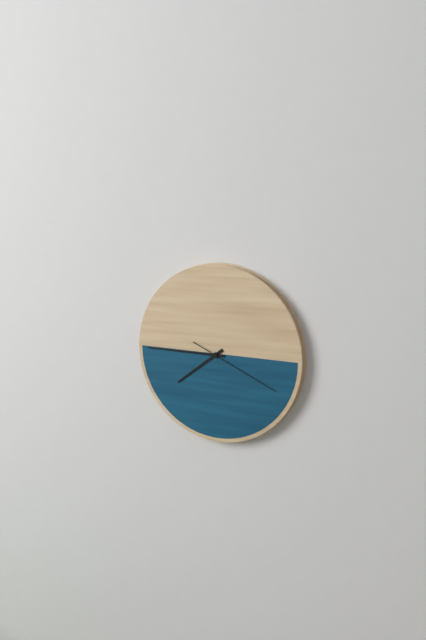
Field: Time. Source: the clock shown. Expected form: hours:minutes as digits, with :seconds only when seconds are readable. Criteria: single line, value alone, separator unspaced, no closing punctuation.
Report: 7:45:19
